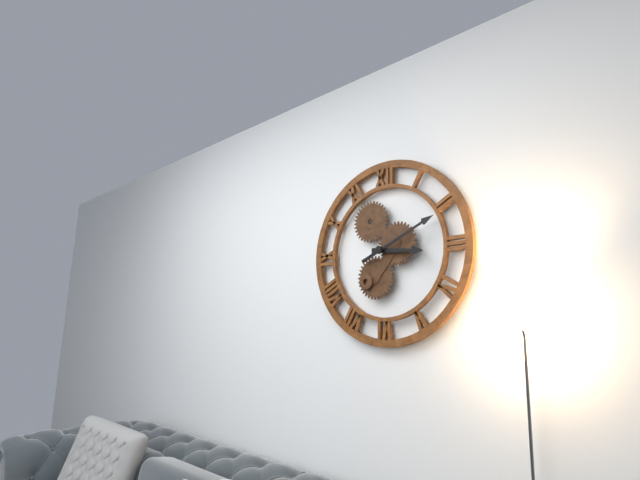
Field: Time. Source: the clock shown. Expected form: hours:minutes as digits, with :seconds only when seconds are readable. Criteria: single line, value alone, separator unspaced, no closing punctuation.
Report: 3:11
